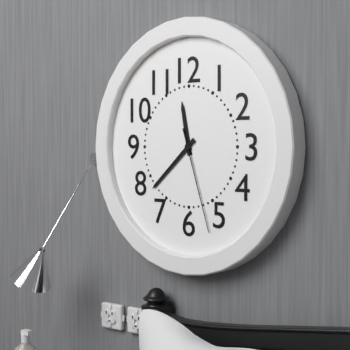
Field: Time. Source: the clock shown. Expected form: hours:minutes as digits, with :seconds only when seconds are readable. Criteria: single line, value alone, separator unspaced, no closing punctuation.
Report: 11:38:27
